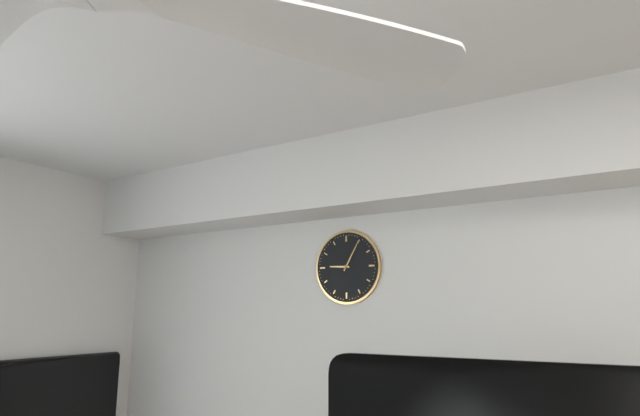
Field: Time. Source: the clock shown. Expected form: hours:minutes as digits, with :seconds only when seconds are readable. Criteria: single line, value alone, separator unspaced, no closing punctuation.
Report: 9:05
